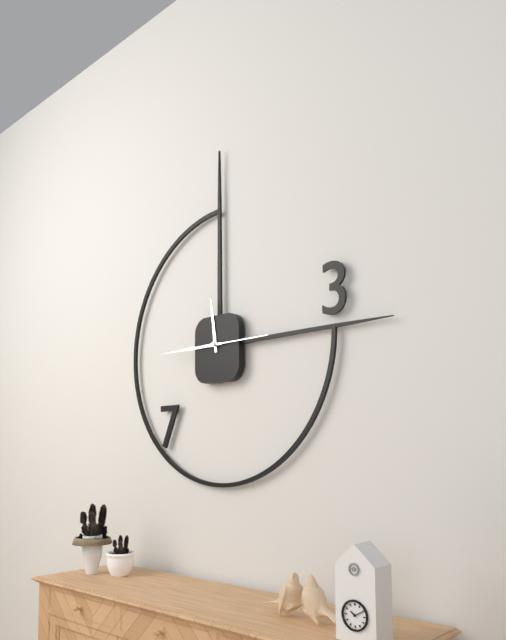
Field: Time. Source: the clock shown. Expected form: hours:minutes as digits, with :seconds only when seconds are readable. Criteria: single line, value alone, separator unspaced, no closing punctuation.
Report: 11:45:15
